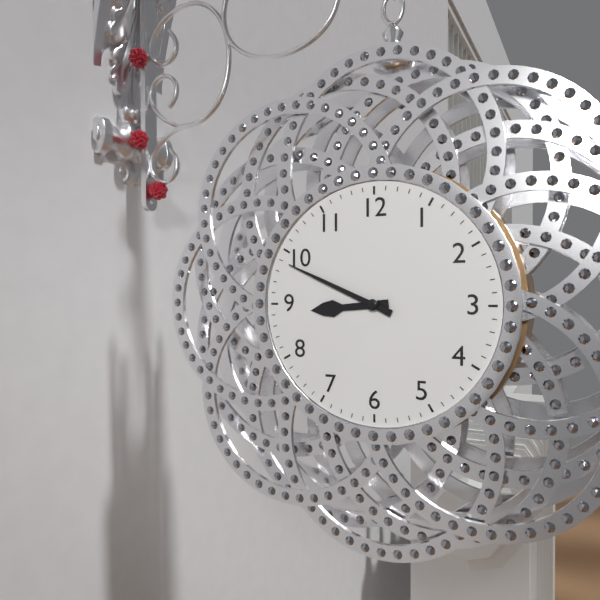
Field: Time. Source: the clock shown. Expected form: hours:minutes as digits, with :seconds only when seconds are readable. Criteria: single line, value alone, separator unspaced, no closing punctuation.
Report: 8:49
